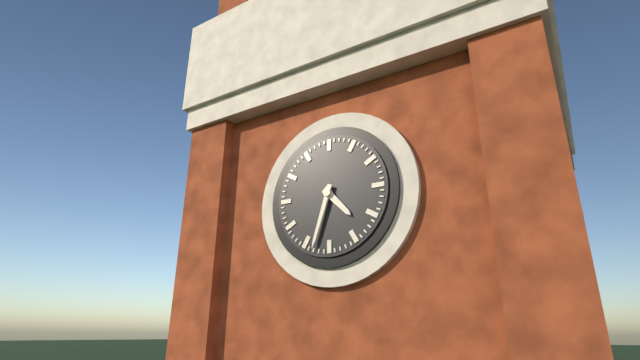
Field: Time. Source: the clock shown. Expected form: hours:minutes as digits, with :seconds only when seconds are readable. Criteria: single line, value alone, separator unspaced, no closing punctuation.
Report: 4:33
